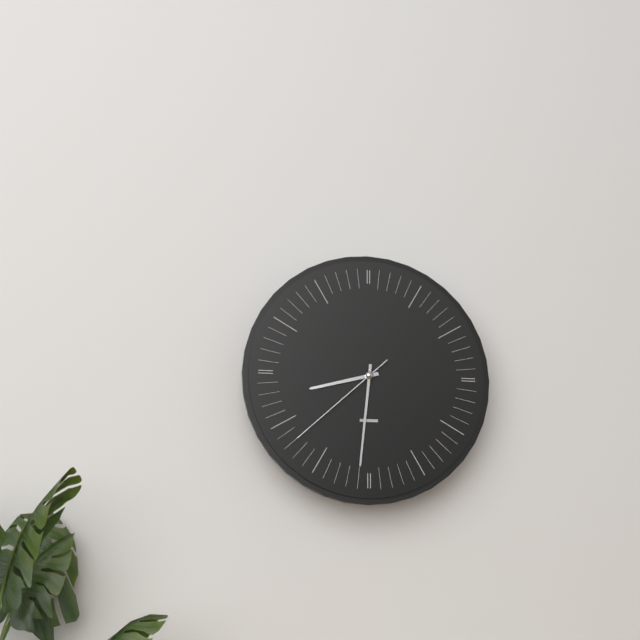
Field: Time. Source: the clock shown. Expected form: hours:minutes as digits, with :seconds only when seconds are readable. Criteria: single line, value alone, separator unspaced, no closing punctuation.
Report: 8:31:38
